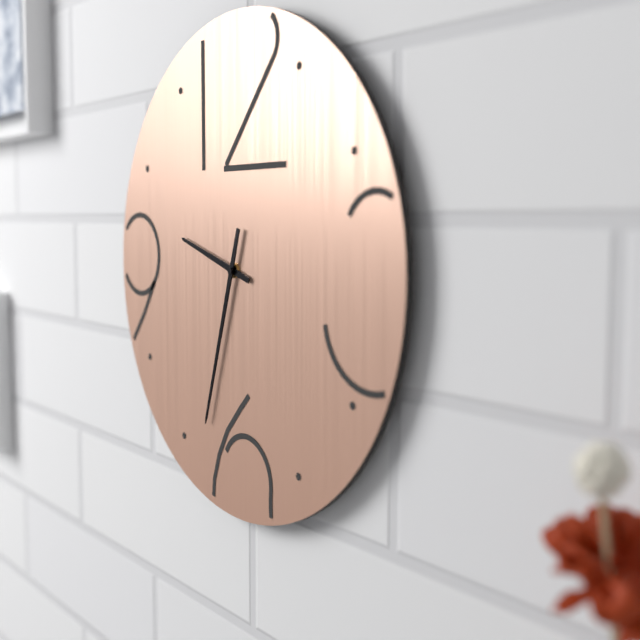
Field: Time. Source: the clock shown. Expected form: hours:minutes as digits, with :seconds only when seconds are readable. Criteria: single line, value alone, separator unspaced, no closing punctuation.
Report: 9:33
